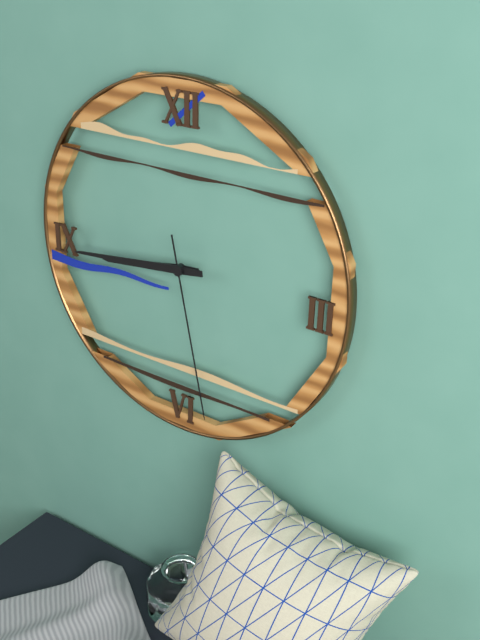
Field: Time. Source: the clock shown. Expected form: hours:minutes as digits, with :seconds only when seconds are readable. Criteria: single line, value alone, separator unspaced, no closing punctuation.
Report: 8:44:28
